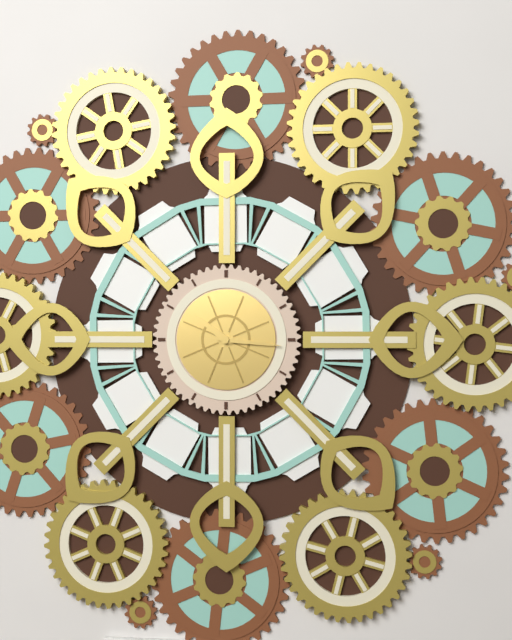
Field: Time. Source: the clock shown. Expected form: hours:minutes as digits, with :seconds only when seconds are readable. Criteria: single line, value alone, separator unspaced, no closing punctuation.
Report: 10:16
